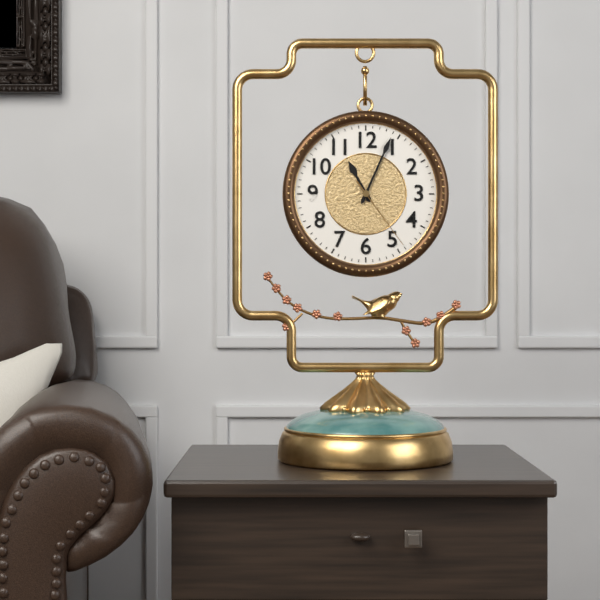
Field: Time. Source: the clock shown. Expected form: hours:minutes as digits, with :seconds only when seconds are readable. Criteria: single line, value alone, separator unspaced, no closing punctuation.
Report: 11:04:24
